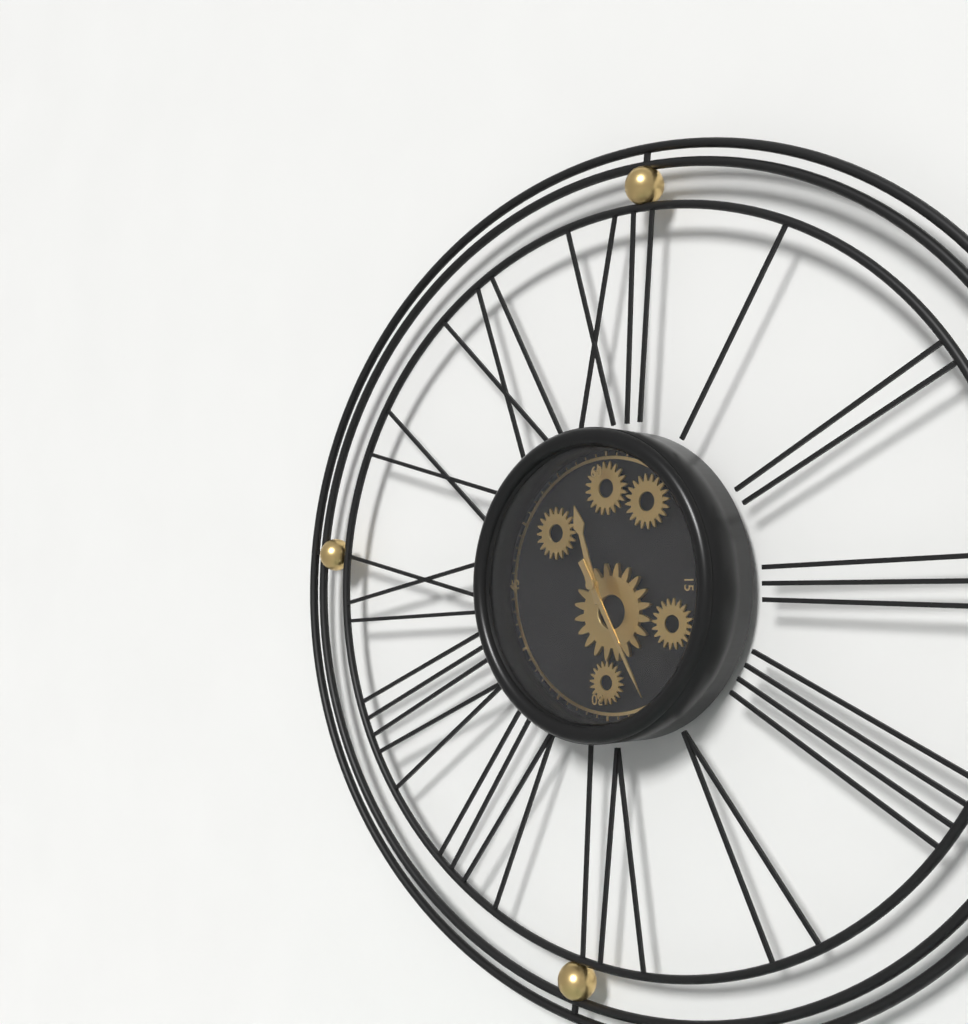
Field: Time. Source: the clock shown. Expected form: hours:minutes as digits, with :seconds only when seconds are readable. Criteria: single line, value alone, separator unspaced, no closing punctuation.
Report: 11:25
